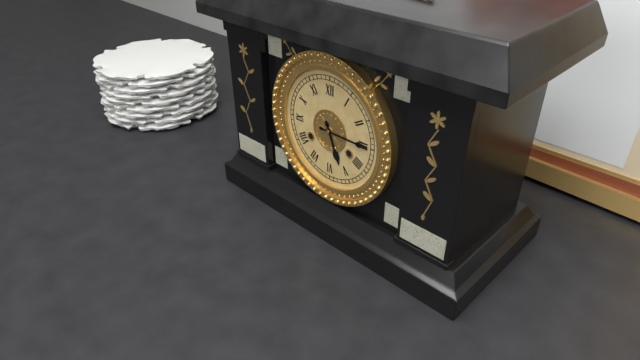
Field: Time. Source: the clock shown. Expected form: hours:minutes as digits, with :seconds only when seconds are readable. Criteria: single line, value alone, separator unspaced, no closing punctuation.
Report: 5:15
